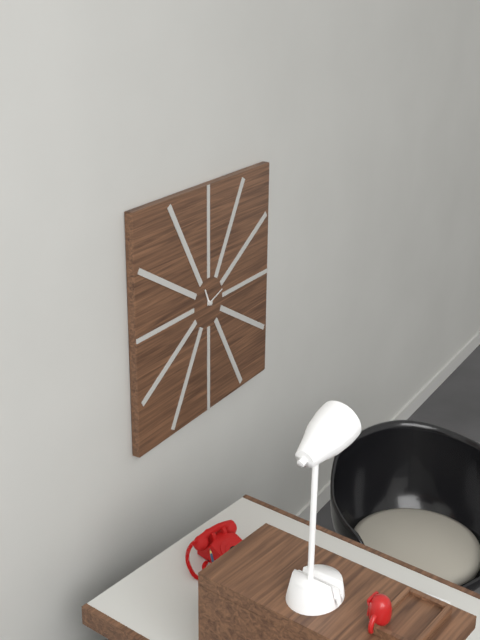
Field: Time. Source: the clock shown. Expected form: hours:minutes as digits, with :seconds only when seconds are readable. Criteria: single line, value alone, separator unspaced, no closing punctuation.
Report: 11:12
